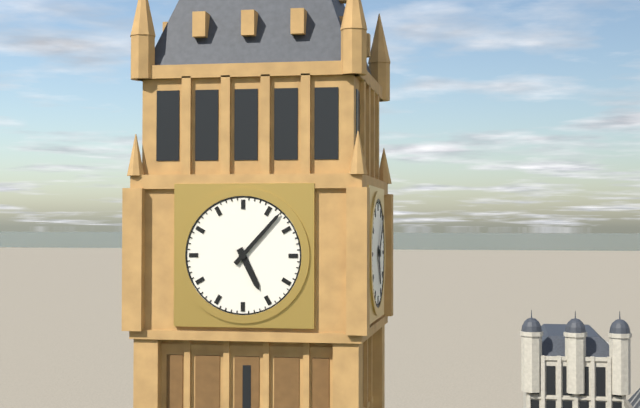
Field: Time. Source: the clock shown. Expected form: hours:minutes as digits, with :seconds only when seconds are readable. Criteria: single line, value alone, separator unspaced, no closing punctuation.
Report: 5:07
